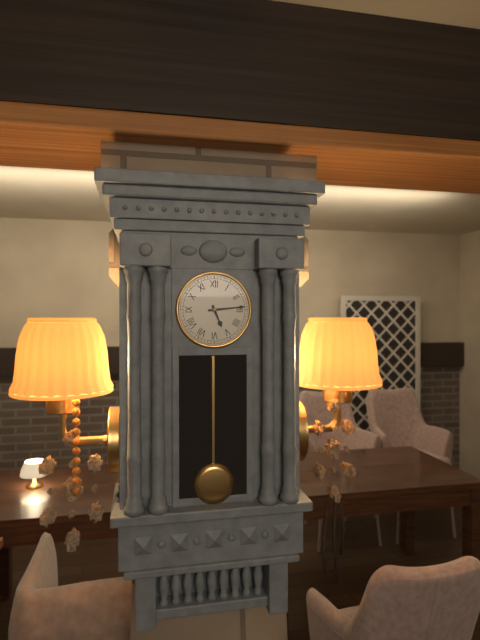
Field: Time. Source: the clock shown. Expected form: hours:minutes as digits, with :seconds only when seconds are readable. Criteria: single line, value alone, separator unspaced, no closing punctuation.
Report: 5:14
